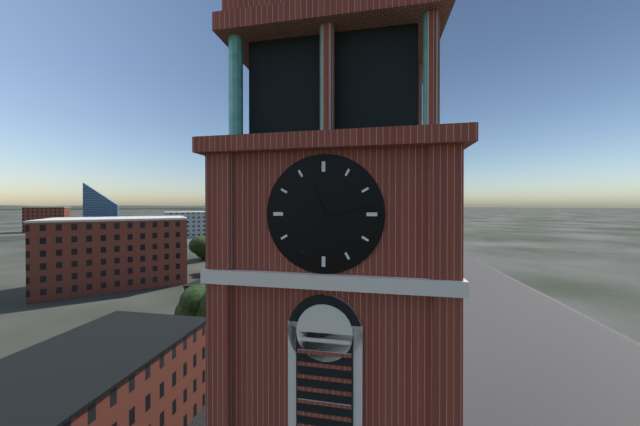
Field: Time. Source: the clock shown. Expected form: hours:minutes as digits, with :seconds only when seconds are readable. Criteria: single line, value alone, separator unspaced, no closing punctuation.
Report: 11:13
